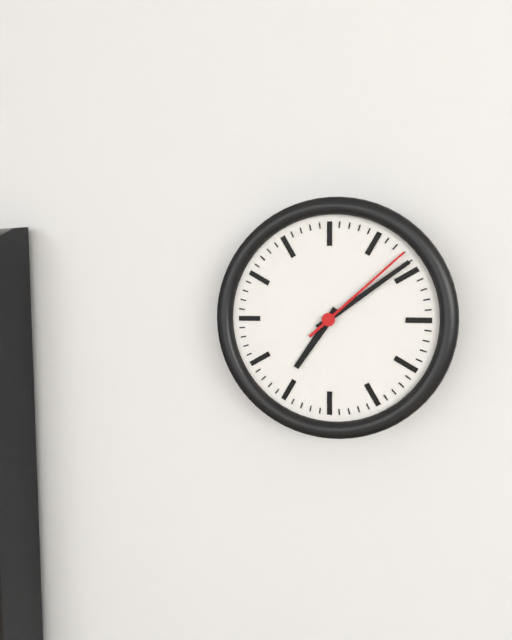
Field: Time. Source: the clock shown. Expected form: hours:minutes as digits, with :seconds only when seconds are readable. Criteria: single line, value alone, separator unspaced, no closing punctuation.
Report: 7:09:08
